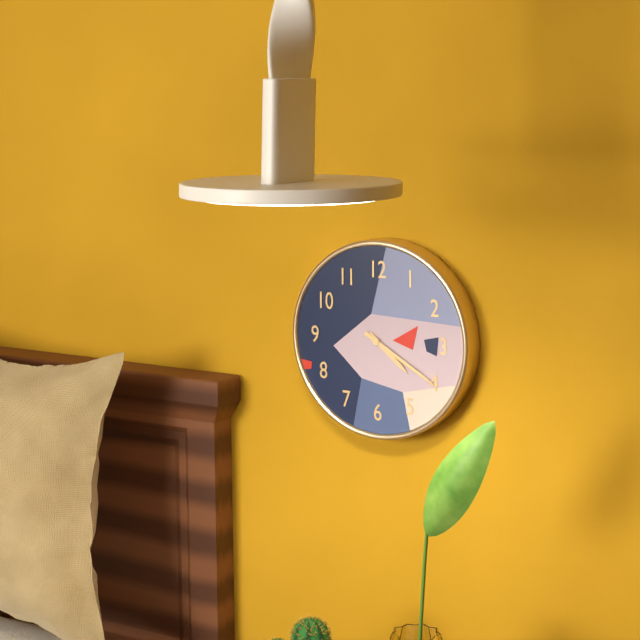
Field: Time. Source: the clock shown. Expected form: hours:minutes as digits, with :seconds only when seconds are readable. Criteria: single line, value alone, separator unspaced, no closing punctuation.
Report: 4:20
